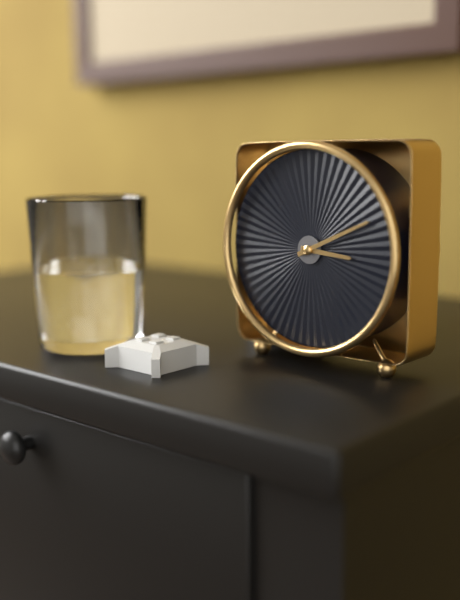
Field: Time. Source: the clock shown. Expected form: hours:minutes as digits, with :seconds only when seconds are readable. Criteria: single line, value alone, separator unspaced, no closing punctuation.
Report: 3:11
